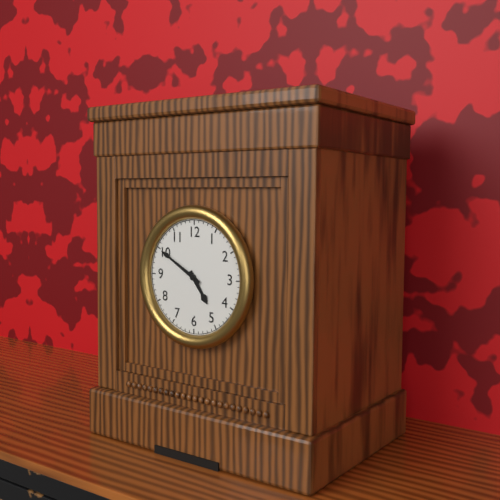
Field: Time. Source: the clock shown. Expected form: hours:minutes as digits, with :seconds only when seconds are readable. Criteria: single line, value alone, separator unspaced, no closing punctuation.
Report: 4:50
